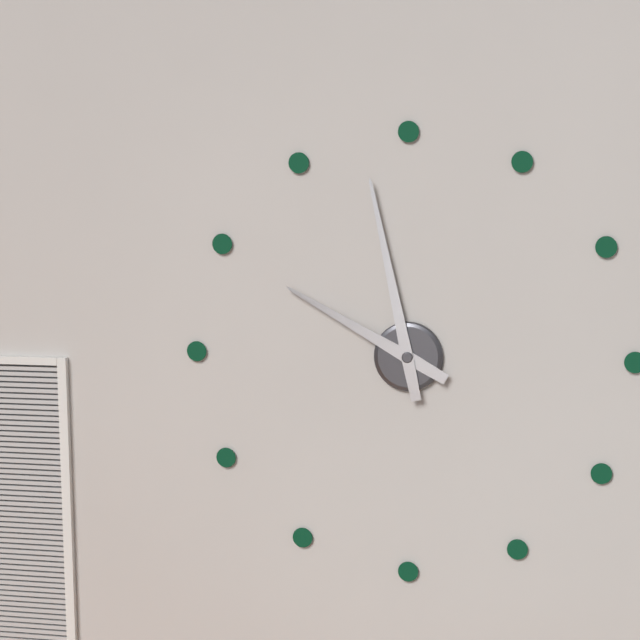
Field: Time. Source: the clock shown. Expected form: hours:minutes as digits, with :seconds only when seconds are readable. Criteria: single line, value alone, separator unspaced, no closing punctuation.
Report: 9:58
